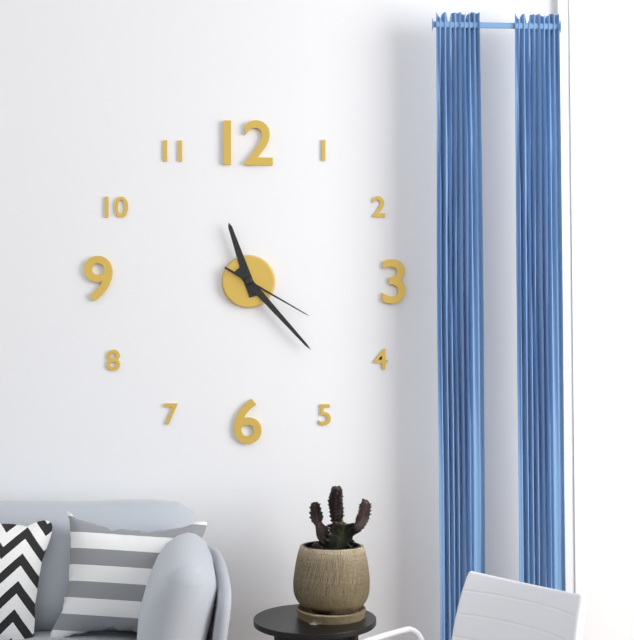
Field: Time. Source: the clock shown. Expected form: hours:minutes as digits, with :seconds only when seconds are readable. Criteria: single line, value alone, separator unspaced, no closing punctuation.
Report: 11:23:20
